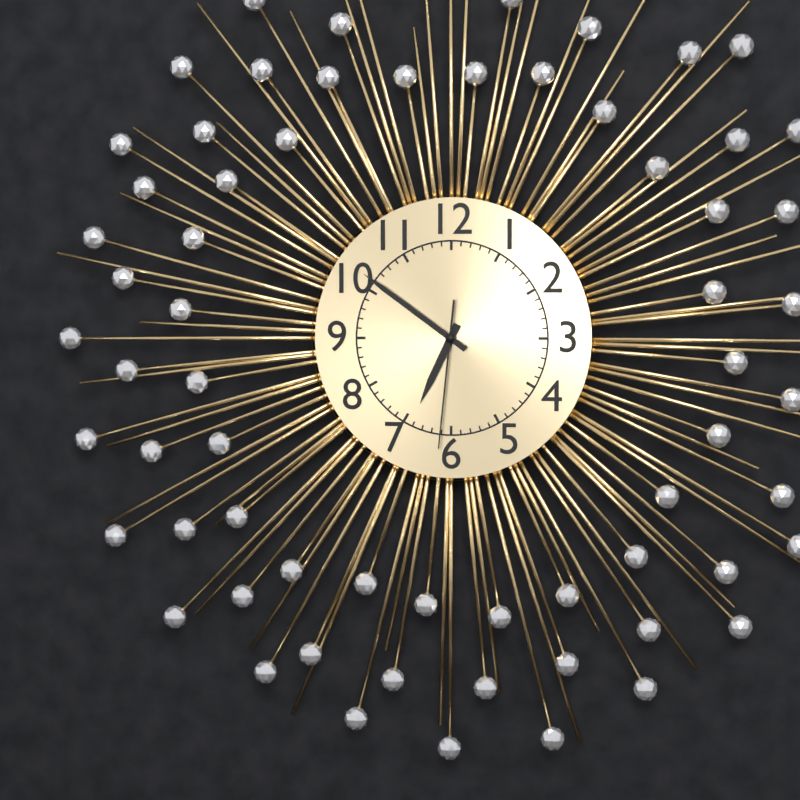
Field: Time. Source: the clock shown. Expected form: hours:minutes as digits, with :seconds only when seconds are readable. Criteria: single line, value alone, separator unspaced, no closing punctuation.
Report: 6:51:31
